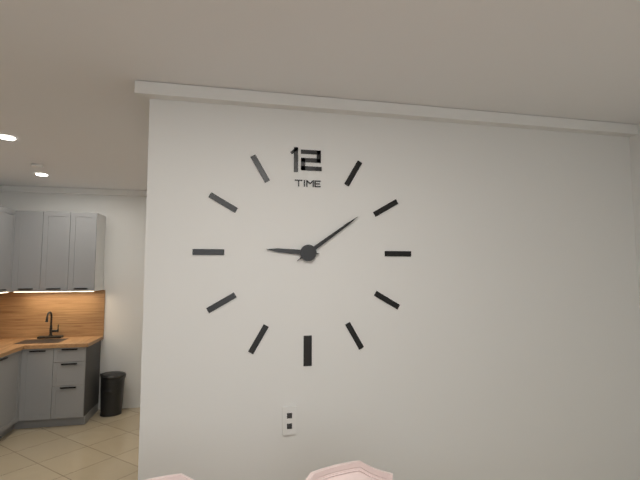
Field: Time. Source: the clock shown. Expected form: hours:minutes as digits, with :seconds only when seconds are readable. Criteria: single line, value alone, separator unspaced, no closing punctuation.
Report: 9:09
